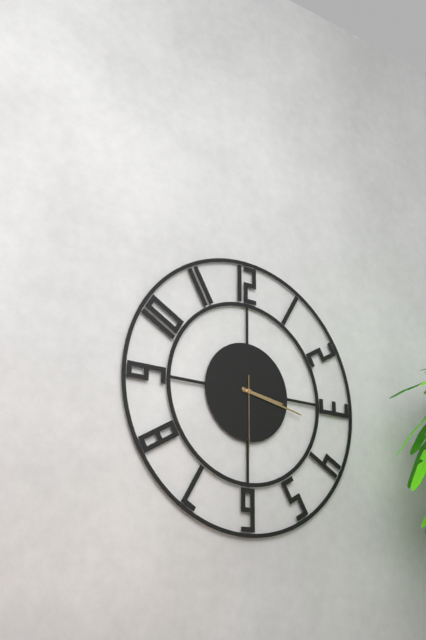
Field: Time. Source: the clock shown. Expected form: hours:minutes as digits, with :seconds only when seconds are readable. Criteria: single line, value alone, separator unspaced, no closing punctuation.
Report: 3:17:30
